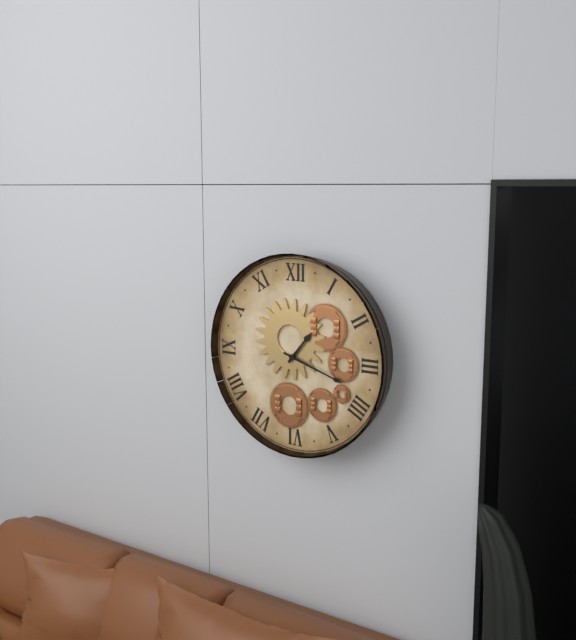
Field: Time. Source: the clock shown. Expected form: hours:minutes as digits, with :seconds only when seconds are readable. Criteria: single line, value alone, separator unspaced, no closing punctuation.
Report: 1:18
